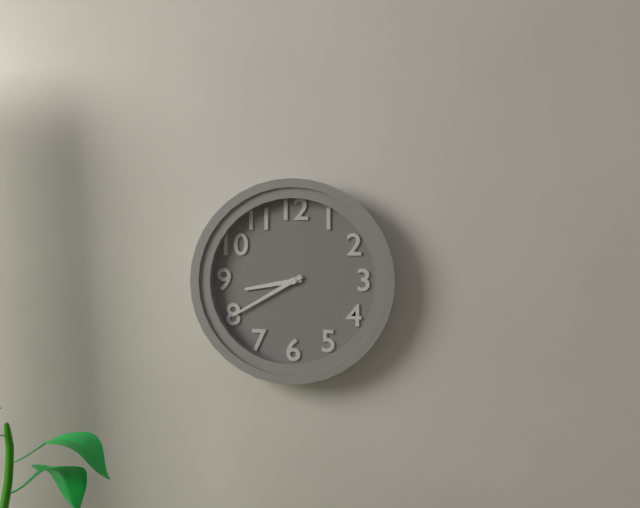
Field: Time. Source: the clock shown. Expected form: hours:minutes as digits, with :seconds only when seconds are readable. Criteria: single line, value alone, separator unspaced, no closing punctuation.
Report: 8:40
